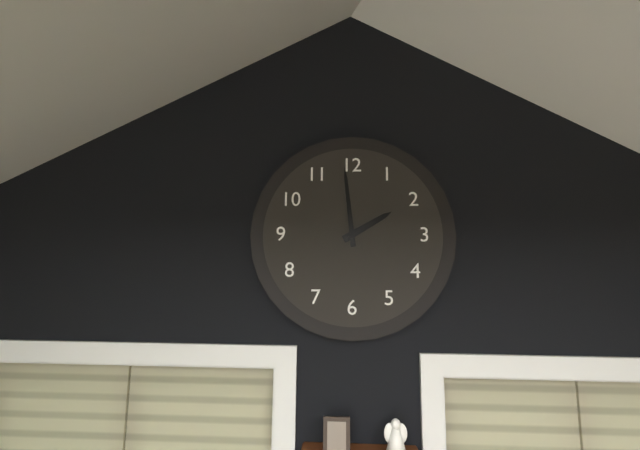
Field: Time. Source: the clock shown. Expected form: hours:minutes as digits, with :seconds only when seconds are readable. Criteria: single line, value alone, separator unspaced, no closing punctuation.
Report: 1:59
